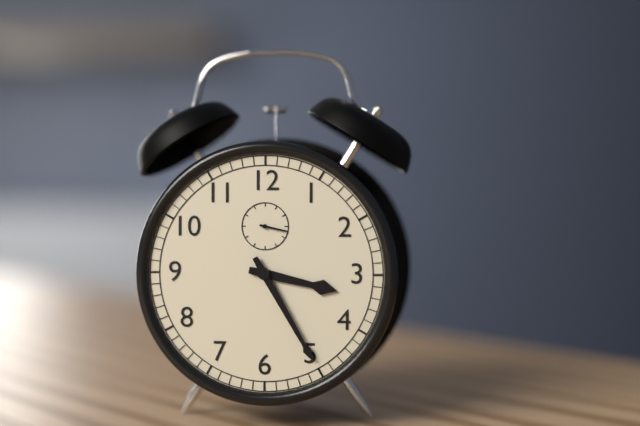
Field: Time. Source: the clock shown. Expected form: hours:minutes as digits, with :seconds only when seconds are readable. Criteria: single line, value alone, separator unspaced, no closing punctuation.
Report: 3:25
